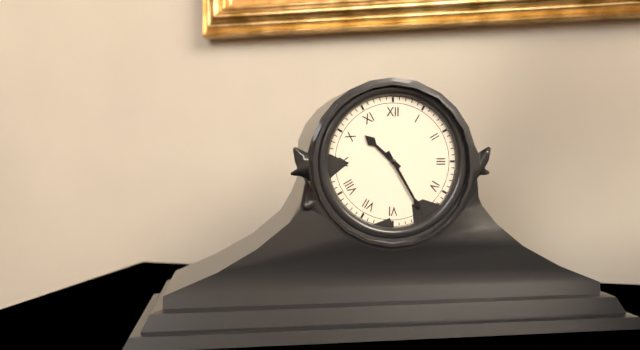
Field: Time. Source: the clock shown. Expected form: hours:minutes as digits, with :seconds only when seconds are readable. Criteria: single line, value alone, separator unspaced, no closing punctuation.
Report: 10:25
